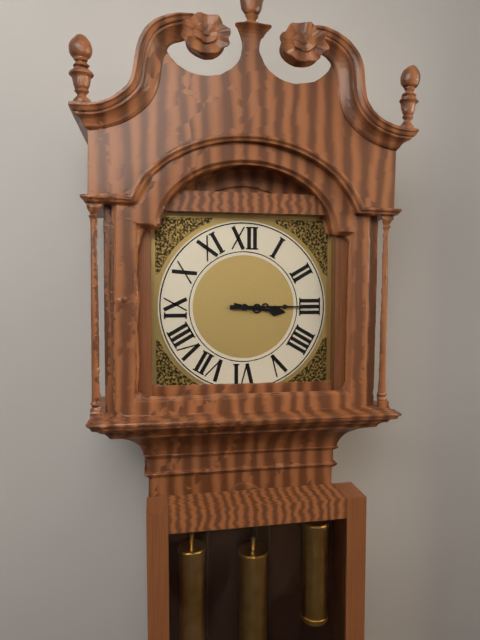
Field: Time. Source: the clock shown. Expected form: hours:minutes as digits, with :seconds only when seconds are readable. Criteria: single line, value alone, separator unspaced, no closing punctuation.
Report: 3:15
